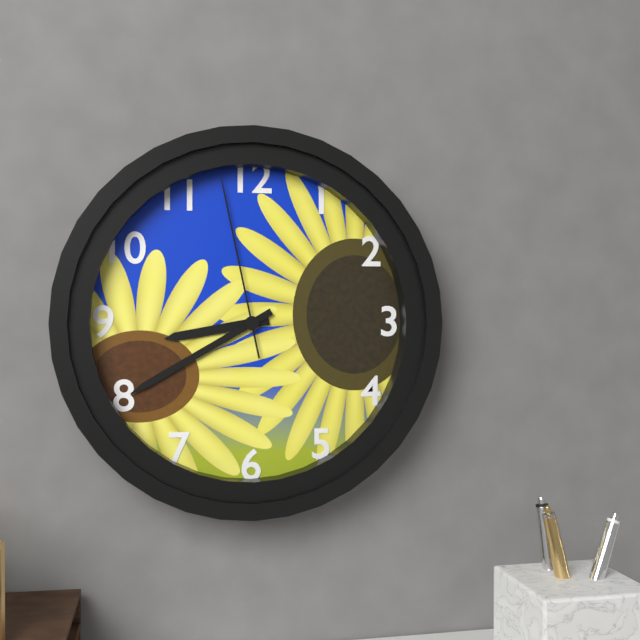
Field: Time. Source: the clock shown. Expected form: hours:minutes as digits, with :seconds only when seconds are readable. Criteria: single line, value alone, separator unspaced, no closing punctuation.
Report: 8:40:58
